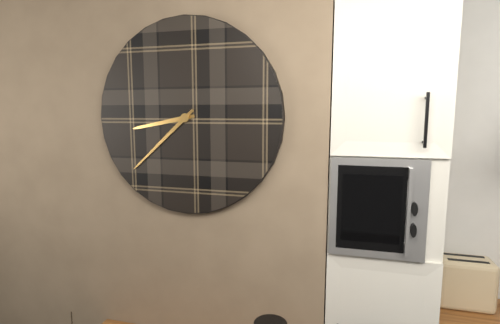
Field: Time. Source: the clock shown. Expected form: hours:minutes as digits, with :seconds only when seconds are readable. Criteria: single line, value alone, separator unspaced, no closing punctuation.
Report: 8:38
